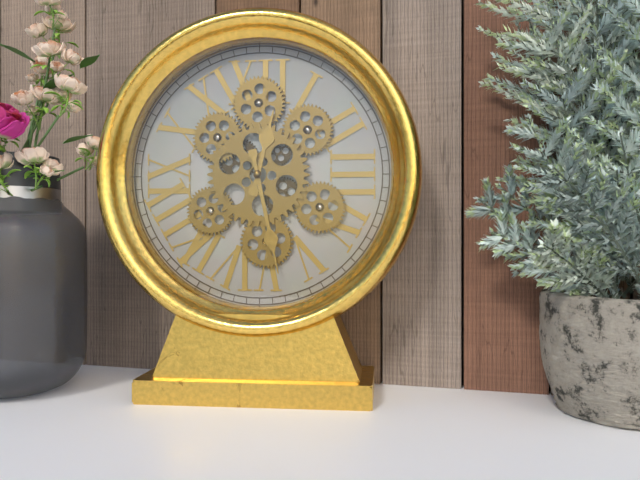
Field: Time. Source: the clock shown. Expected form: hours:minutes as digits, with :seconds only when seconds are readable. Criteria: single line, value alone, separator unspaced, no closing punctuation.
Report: 12:28
